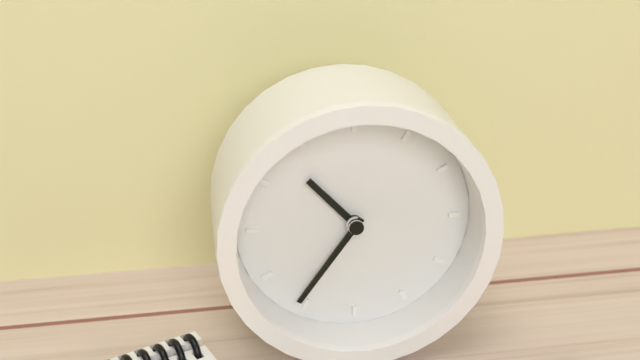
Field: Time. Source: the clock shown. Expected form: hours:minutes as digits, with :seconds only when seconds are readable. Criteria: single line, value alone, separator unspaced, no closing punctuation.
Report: 10:36
